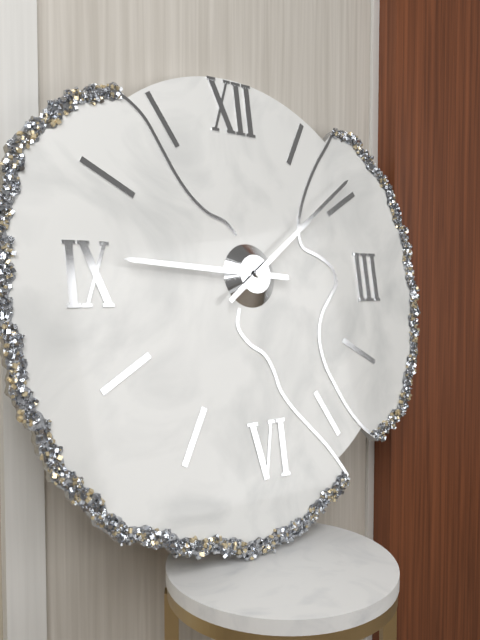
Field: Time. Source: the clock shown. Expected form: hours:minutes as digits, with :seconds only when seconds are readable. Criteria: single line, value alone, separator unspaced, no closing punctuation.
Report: 9:09
